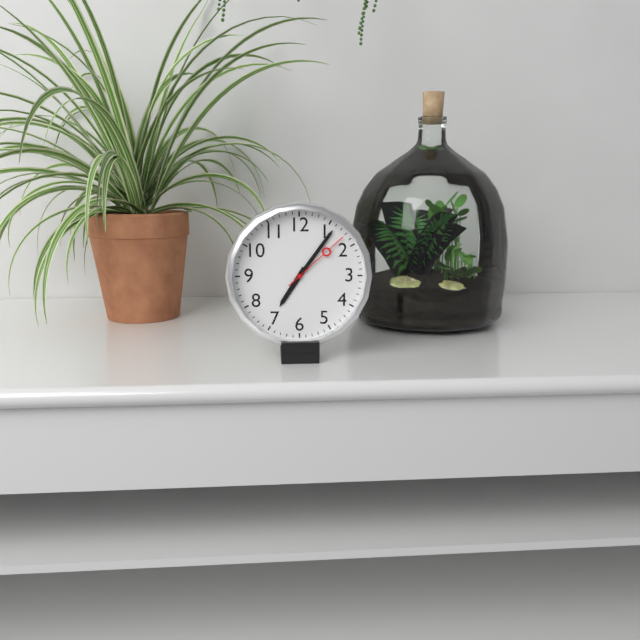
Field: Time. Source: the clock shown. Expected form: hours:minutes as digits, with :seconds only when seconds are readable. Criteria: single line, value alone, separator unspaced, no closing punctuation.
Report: 7:06:08
